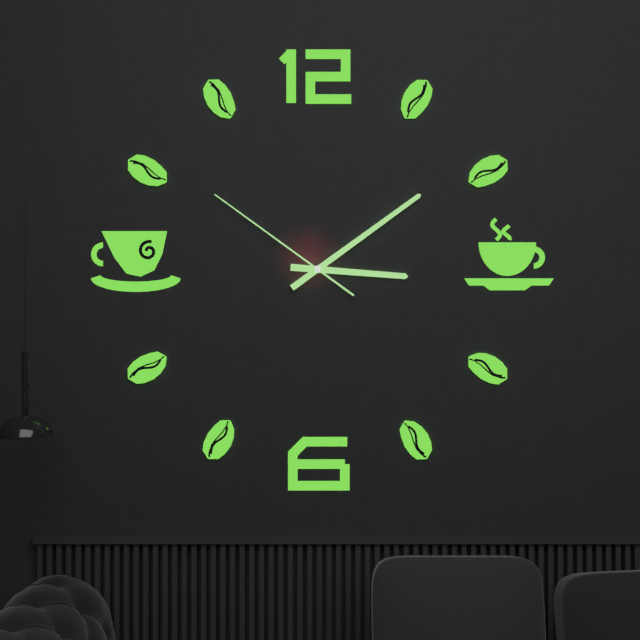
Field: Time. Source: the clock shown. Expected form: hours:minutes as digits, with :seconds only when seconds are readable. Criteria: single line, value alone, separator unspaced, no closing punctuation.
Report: 3:09:51
